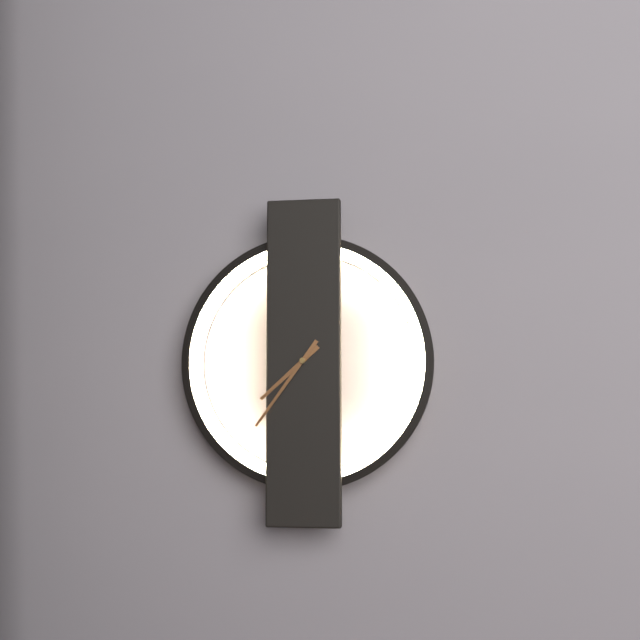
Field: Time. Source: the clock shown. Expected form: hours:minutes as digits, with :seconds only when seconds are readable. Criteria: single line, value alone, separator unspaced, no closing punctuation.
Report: 7:36
